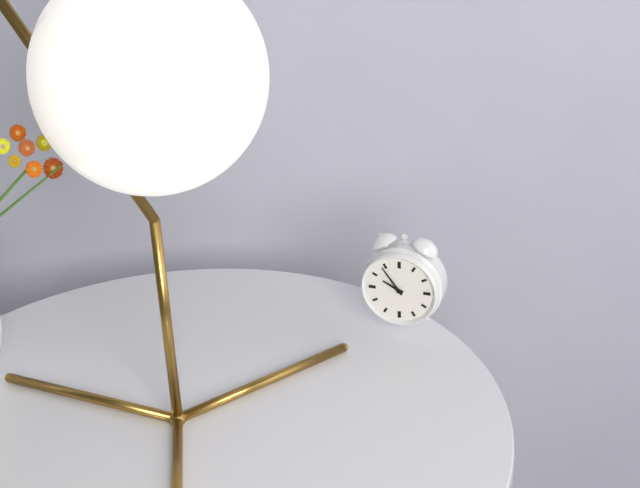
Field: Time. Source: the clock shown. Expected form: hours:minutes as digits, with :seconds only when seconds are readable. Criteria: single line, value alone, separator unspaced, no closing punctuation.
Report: 9:54
